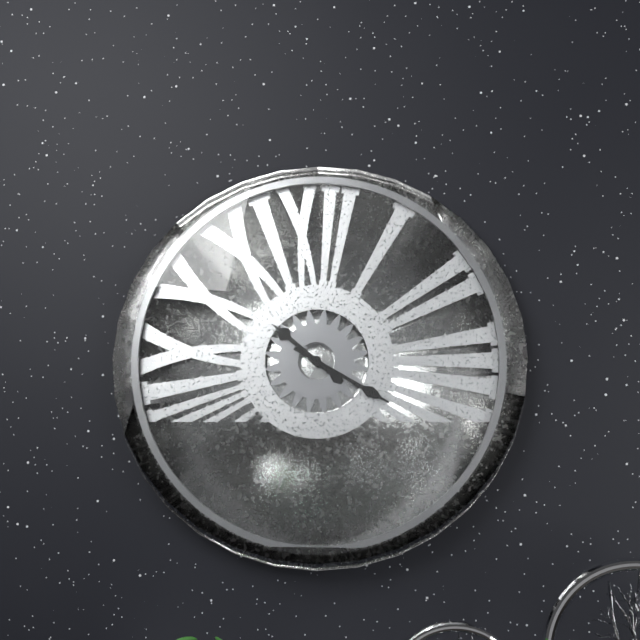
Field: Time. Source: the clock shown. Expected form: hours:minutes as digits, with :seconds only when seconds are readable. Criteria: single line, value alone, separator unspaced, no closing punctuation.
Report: 10:20
